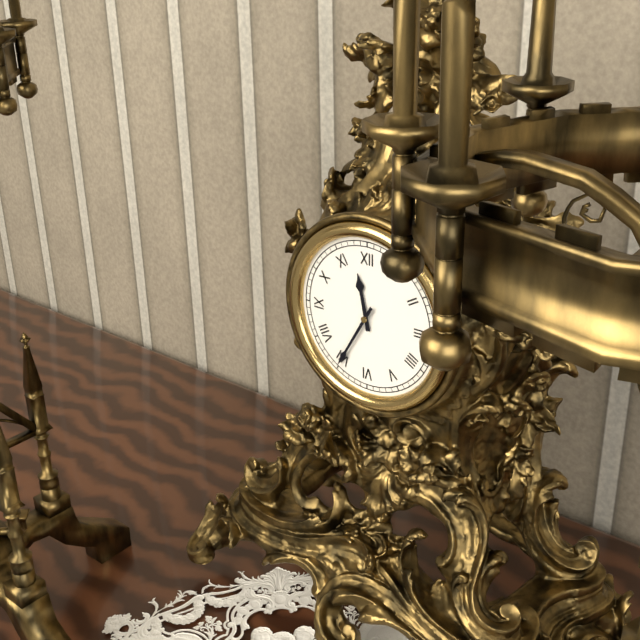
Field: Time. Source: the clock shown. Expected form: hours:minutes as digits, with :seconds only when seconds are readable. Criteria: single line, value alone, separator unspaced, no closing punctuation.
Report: 11:35
